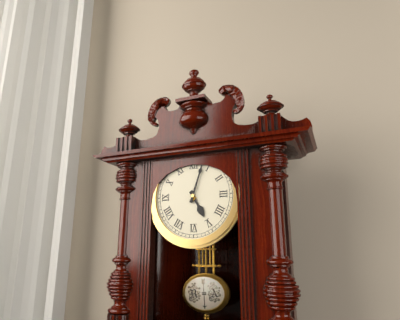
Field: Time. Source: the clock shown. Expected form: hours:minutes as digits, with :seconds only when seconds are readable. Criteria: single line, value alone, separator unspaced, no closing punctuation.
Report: 5:03
